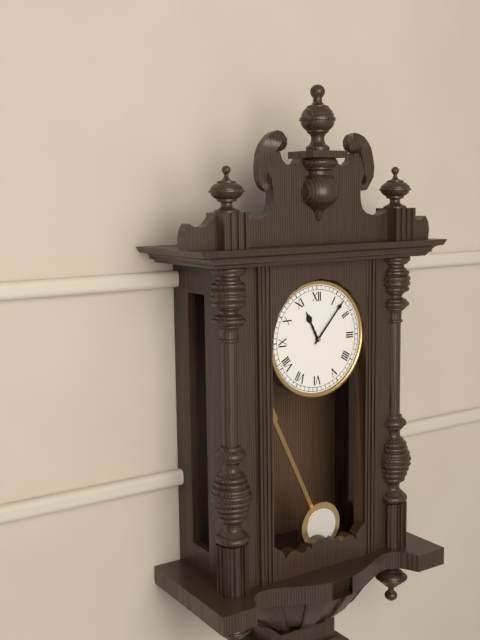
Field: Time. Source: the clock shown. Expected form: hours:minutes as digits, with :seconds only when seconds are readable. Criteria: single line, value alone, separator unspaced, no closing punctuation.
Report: 11:07
